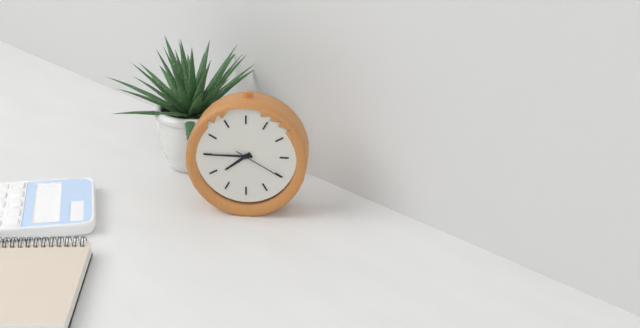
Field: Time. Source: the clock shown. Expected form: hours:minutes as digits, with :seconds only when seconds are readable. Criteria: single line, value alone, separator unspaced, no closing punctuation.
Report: 7:45:20
